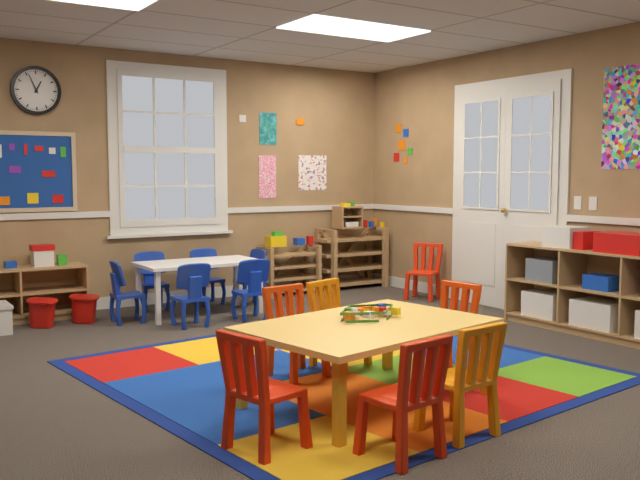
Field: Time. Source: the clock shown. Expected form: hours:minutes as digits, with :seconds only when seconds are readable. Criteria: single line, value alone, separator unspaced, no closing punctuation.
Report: 12:56
